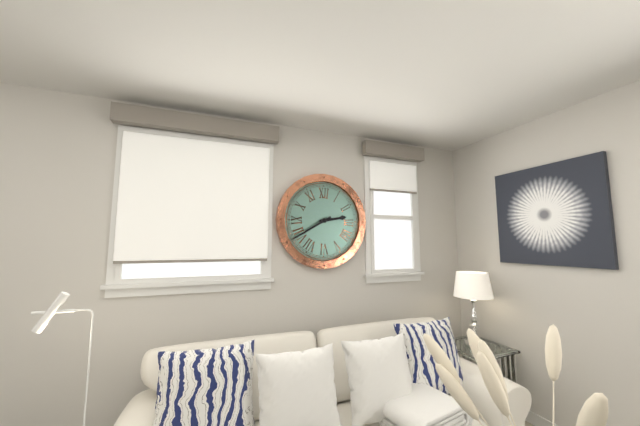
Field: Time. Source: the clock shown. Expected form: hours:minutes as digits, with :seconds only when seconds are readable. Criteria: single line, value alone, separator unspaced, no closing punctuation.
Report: 2:40
